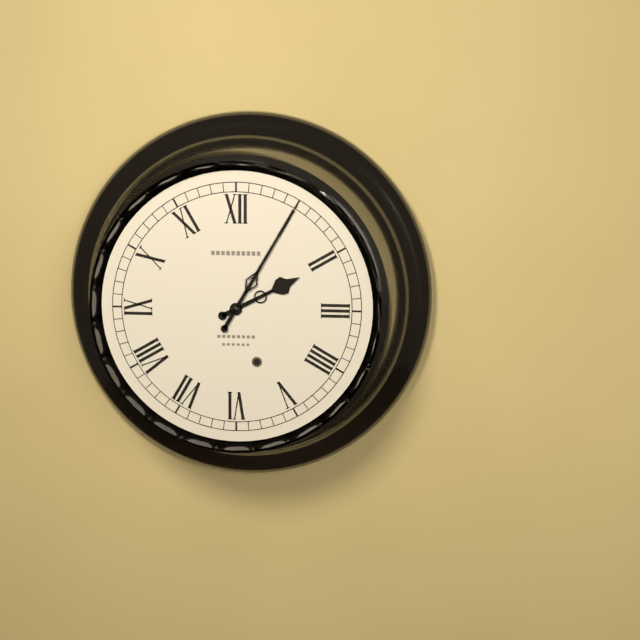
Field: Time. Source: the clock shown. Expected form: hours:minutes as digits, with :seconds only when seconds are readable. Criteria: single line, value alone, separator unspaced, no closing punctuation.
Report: 2:05
